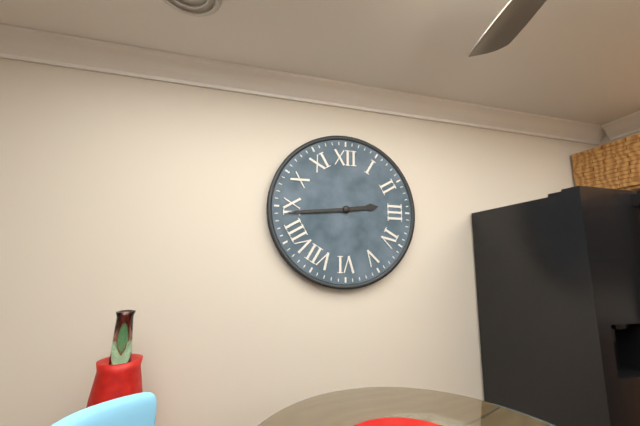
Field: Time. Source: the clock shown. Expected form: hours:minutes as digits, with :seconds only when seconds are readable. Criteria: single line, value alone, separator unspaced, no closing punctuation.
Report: 2:44
